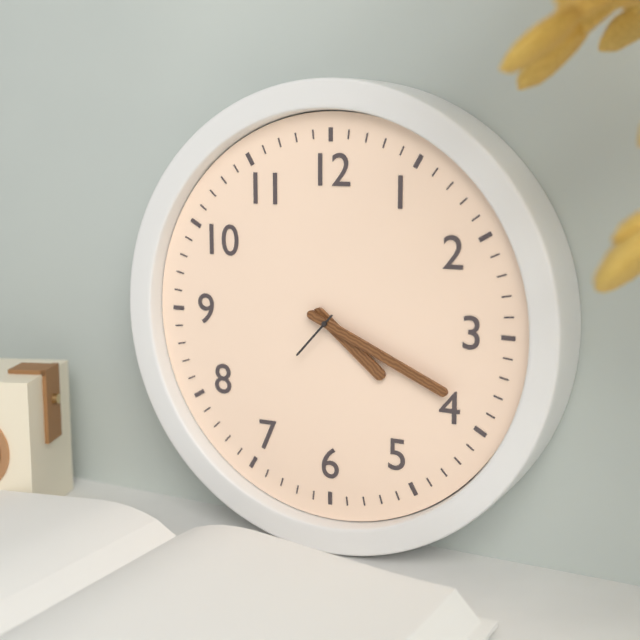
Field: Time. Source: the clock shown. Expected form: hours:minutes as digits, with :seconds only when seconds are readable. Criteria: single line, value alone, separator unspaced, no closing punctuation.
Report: 4:19:37
